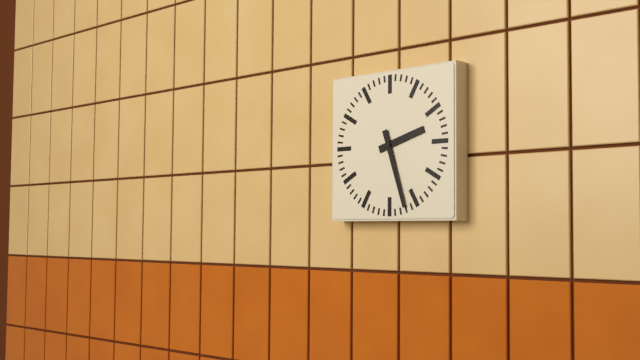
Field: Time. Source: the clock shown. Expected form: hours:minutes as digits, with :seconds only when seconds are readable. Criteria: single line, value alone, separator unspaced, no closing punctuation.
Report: 2:27
